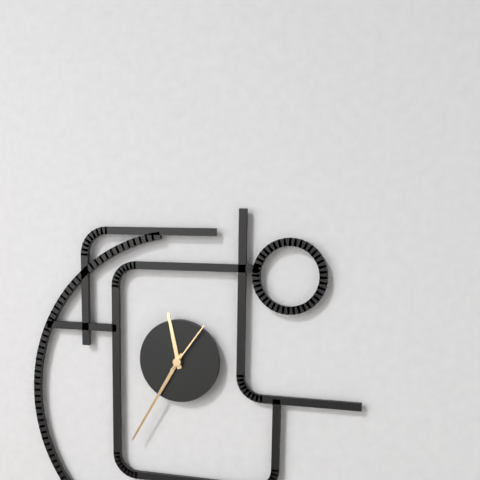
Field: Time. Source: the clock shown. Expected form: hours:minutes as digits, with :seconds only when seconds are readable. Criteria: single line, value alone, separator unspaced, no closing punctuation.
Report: 11:35:06
